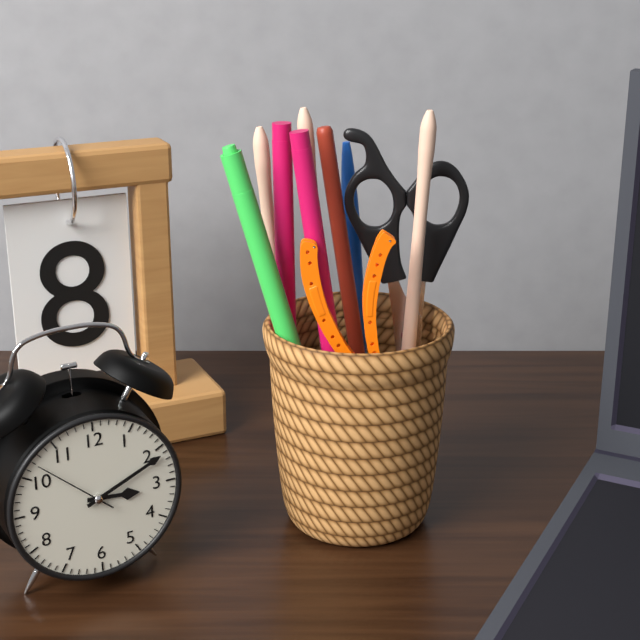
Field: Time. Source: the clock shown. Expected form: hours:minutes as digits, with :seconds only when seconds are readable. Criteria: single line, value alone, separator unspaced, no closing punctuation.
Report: 3:11:52
